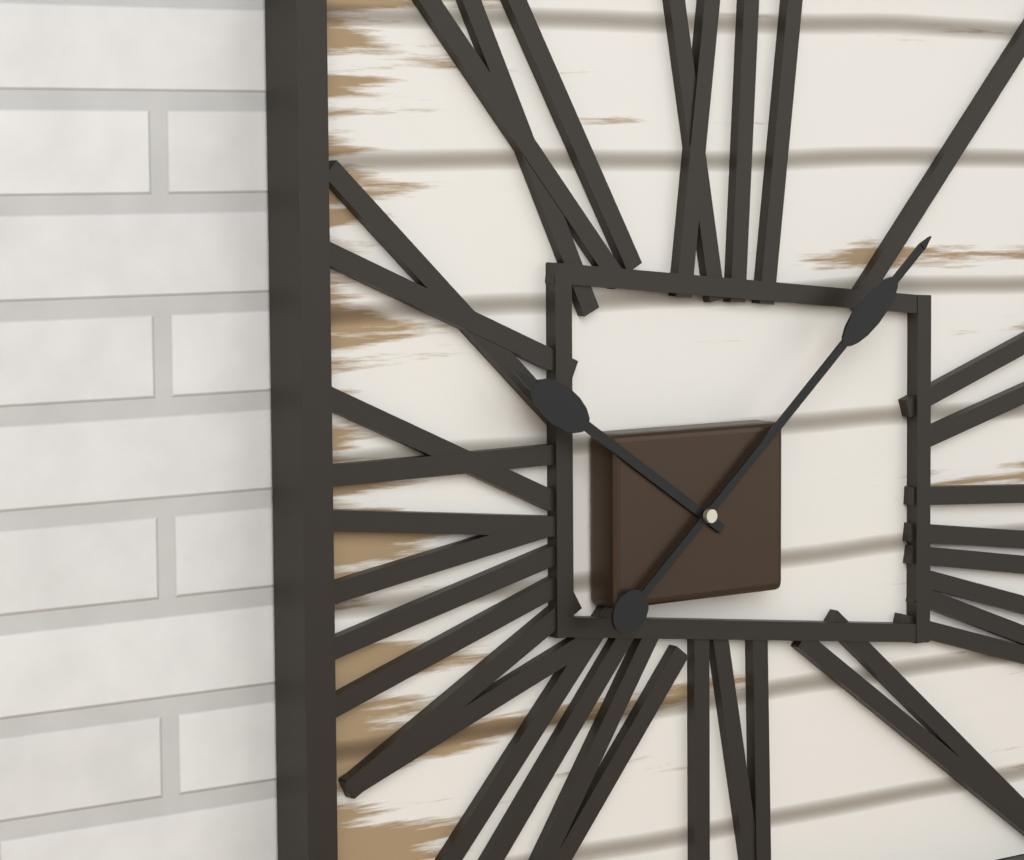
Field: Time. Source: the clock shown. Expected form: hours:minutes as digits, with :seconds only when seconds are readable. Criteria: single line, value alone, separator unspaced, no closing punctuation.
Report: 10:08
